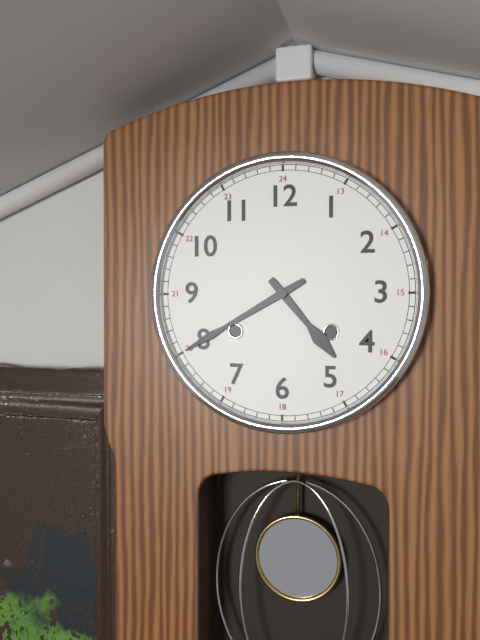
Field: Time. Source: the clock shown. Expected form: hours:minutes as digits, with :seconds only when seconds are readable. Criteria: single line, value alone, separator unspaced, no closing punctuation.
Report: 4:40
